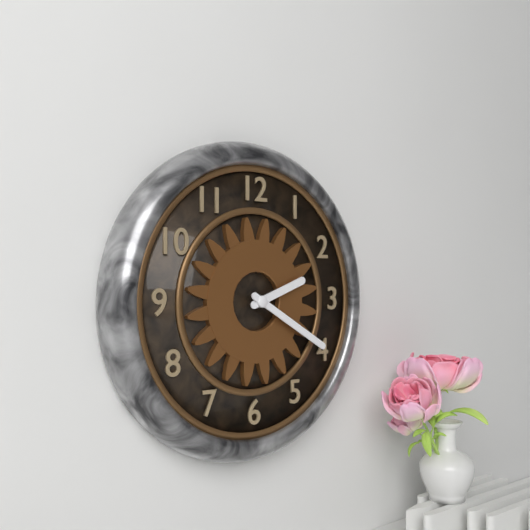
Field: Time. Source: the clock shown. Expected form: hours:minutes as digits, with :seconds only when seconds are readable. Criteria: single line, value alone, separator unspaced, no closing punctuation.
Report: 2:20
